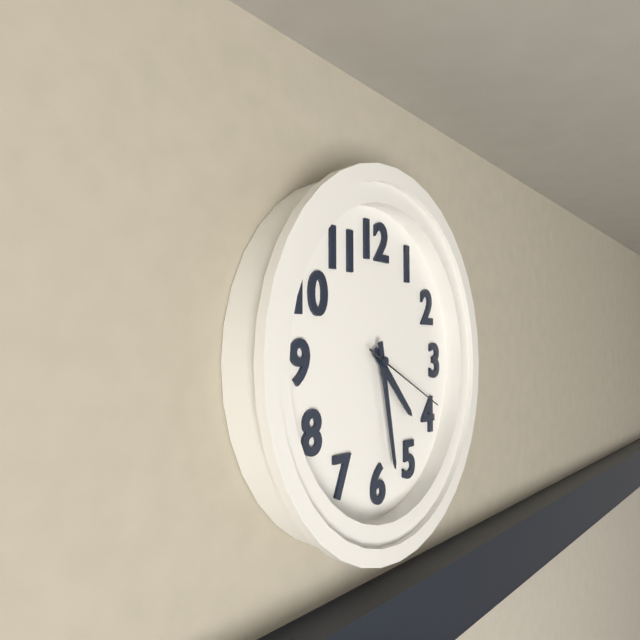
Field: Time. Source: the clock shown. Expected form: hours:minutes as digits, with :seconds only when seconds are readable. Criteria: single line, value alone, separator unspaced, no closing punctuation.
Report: 4:28:19
